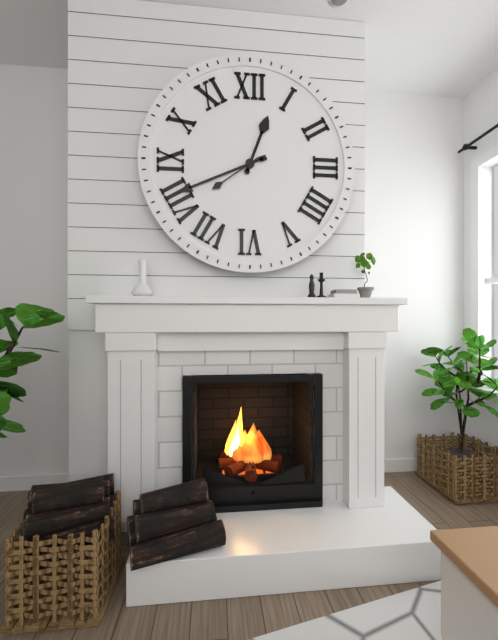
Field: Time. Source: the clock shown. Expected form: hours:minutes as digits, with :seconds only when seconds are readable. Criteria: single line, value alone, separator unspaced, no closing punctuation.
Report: 12:41:39
